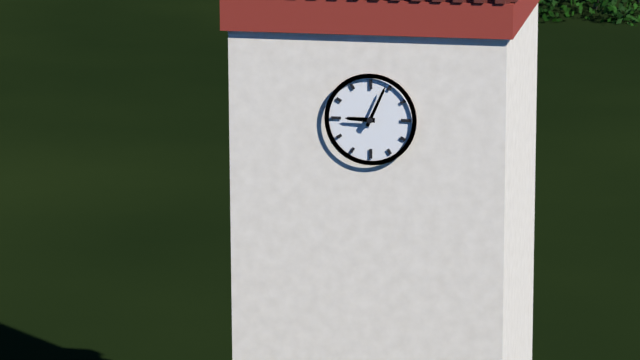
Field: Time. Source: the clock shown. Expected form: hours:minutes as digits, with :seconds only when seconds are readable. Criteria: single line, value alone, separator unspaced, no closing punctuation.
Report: 9:04
